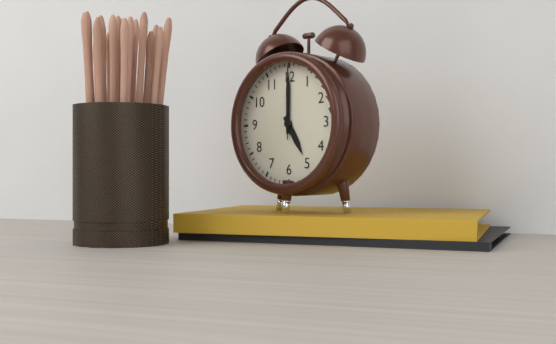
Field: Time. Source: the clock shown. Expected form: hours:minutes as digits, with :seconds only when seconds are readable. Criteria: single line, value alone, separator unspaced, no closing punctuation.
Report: 5:00:00
